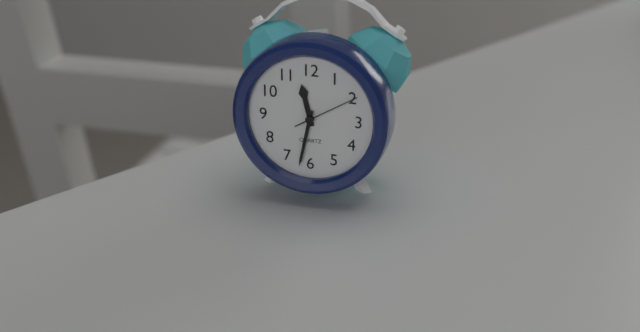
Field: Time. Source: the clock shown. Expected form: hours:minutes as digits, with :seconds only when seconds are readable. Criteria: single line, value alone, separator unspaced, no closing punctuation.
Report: 11:32:10
